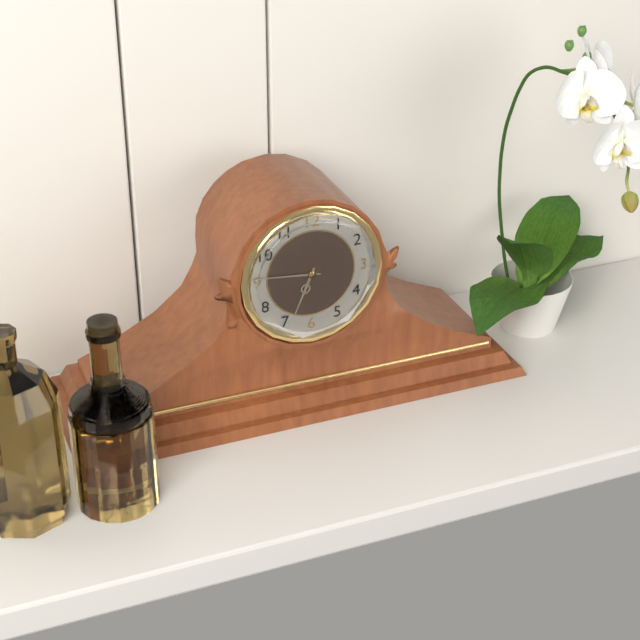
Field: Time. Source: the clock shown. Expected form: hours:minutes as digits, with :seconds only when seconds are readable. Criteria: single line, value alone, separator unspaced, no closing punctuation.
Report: 6:46
